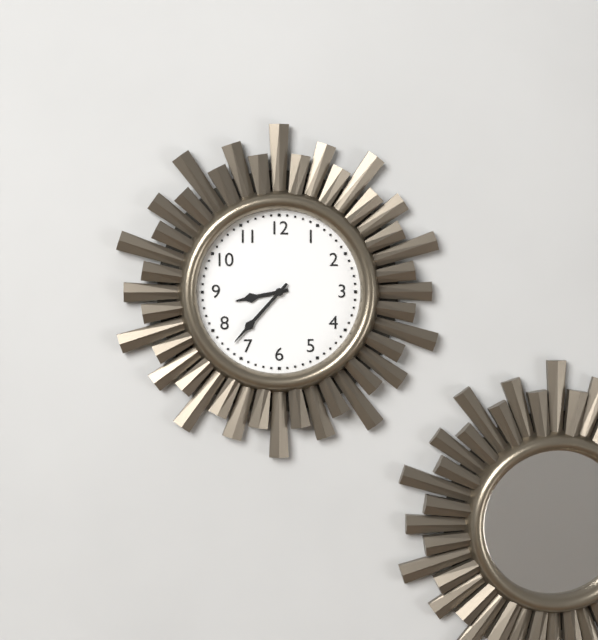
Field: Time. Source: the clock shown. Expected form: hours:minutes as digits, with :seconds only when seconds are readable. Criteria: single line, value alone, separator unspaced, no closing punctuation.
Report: 8:37
